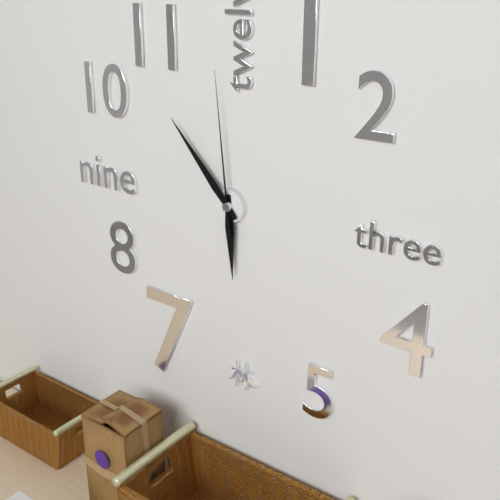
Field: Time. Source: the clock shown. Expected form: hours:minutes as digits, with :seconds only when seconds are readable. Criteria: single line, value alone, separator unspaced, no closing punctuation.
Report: 5:53:59
